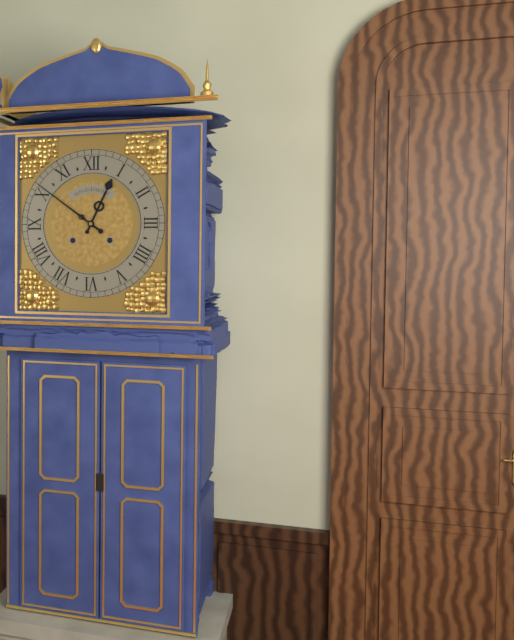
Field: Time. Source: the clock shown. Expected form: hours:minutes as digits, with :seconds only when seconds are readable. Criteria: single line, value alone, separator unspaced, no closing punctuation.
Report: 12:51
